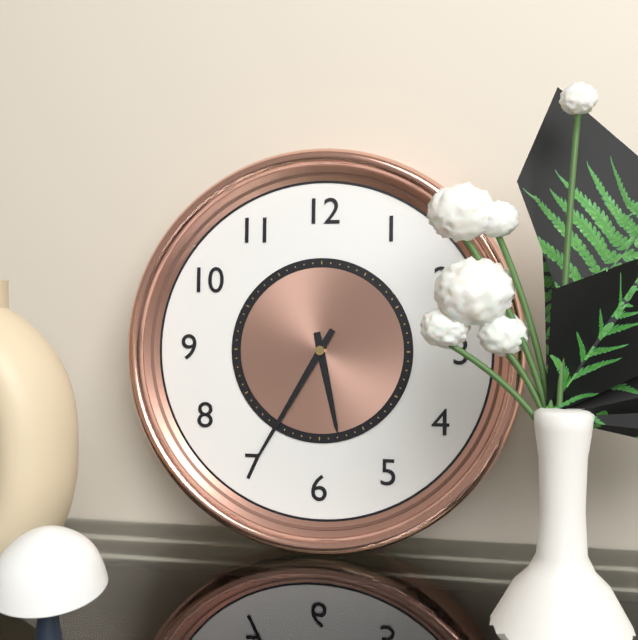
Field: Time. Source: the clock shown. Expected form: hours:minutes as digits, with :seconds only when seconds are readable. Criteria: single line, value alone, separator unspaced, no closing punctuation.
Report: 5:35
